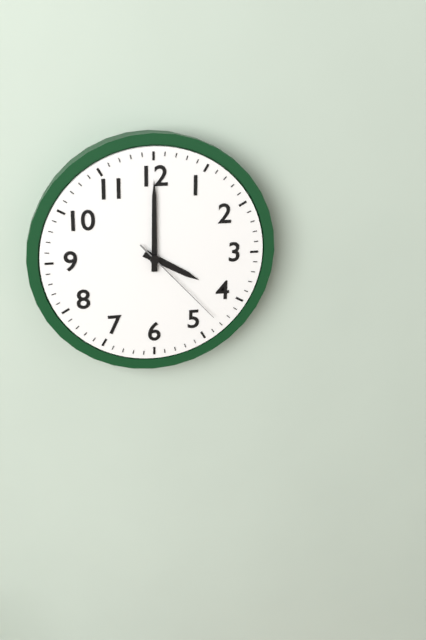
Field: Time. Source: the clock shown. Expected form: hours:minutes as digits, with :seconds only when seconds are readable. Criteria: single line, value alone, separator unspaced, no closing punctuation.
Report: 4:00:23
